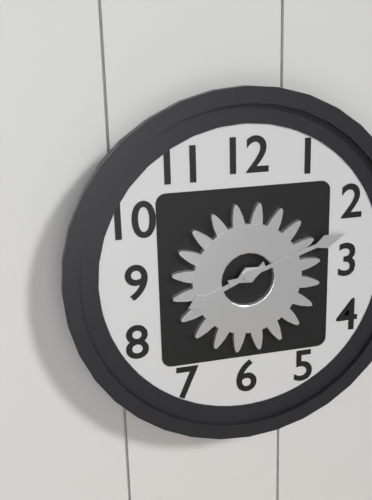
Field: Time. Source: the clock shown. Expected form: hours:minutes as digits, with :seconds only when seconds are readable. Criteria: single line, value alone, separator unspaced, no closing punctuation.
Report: 8:12
